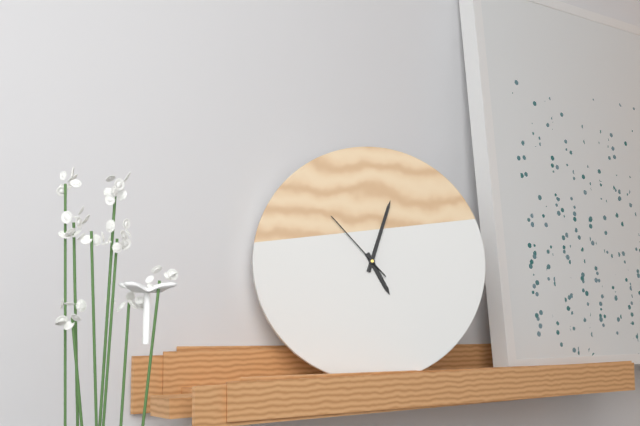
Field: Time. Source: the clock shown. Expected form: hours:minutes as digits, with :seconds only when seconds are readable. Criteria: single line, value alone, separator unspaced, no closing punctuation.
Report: 5:03:53
